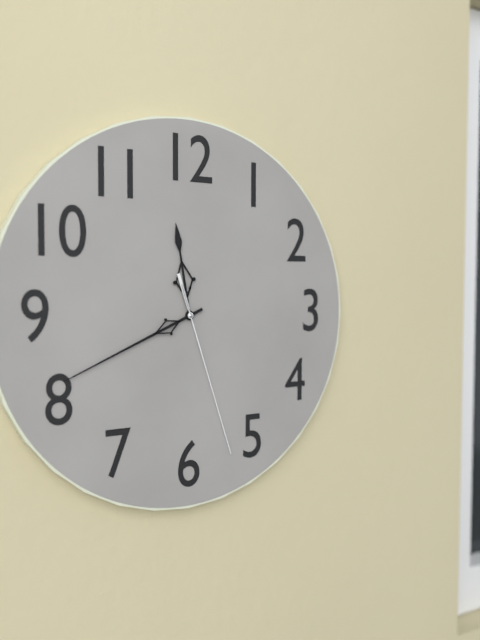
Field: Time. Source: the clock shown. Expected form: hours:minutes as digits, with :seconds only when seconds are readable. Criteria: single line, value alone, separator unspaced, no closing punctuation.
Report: 11:41:27
